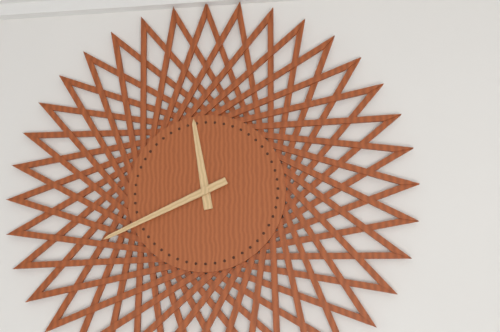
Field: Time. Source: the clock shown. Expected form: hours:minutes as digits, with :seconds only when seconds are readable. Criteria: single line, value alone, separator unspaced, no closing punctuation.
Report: 11:41
